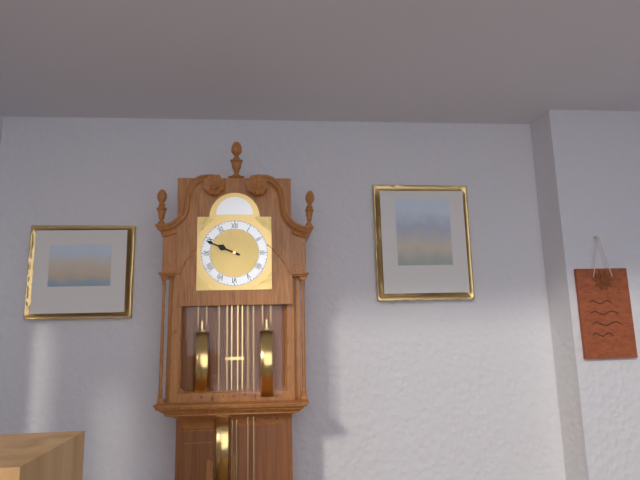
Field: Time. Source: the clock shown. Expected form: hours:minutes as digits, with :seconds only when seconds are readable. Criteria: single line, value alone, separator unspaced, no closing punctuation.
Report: 9:49
